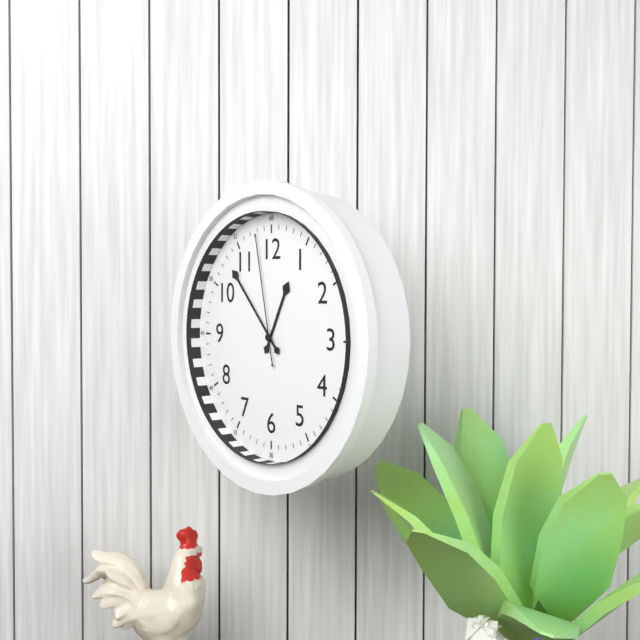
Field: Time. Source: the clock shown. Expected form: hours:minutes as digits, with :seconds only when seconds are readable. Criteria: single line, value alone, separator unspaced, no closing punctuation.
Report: 12:53:58
